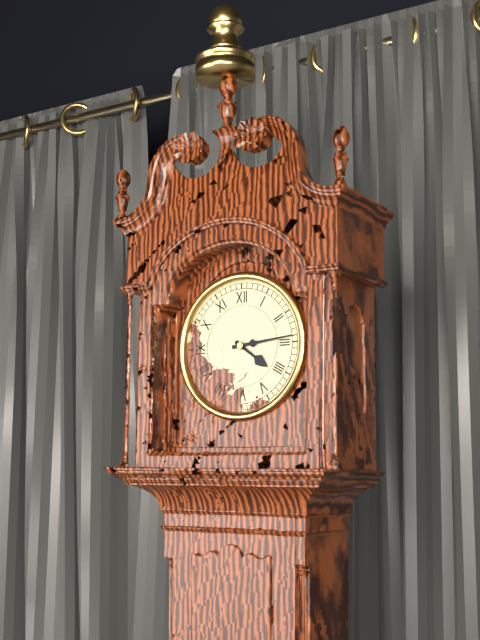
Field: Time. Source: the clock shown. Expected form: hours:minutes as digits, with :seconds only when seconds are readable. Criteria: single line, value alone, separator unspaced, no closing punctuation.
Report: 4:14
